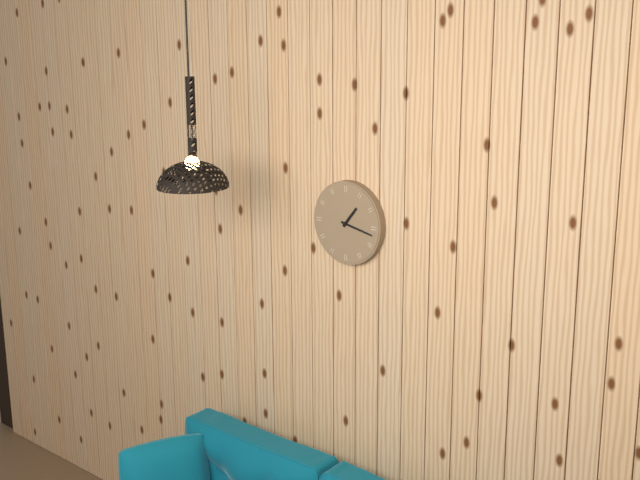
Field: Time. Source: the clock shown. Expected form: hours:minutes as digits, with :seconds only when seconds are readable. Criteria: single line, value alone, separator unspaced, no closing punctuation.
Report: 1:17
